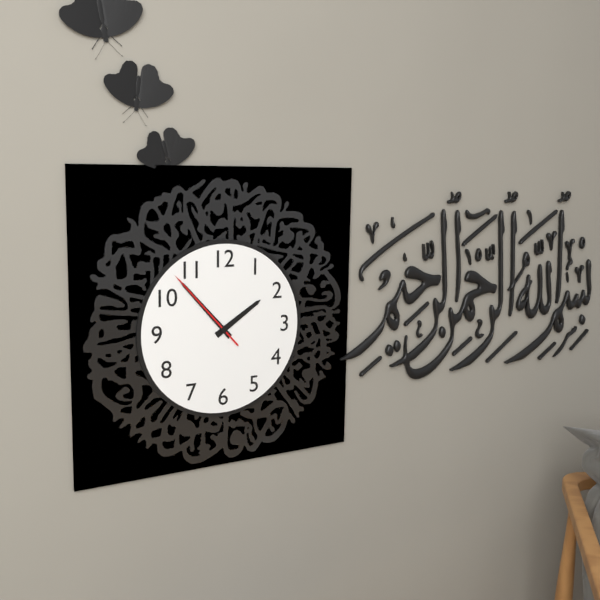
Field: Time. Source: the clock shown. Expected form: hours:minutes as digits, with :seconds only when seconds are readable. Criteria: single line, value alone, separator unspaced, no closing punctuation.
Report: 1:53:53
